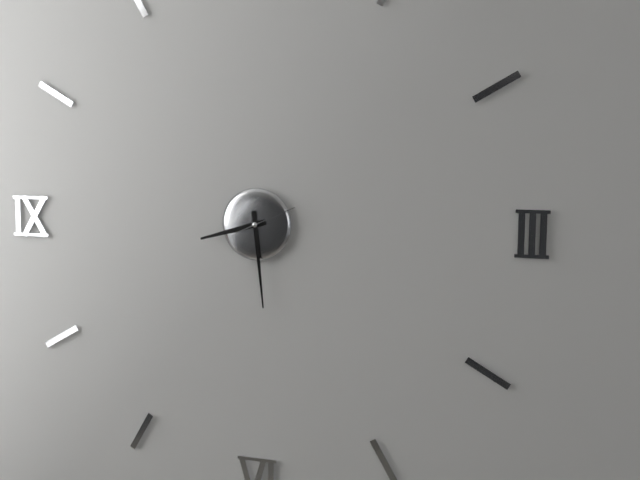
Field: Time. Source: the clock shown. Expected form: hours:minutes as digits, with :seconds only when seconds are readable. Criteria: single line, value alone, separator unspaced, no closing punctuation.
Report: 8:29:11
